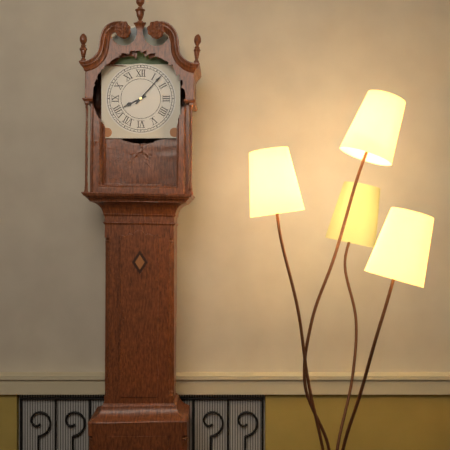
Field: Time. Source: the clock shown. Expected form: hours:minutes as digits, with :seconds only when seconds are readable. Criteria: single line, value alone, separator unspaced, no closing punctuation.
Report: 8:07
